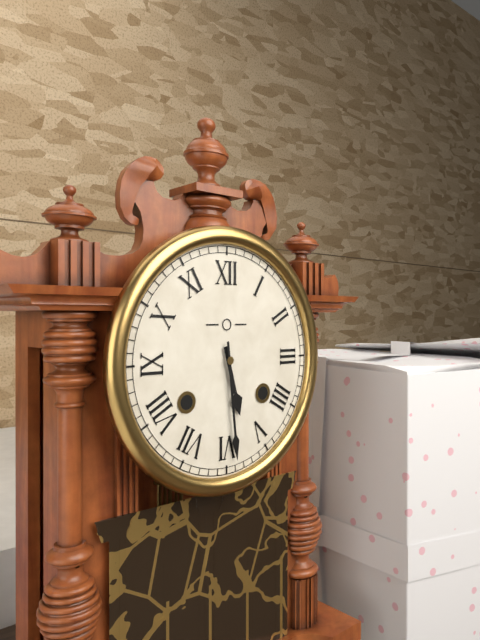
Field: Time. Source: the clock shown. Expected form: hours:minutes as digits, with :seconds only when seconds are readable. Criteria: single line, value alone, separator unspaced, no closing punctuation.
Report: 5:29
